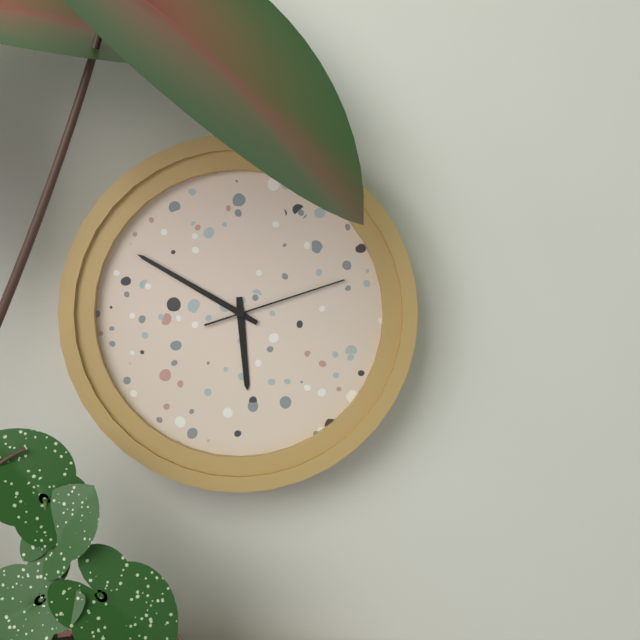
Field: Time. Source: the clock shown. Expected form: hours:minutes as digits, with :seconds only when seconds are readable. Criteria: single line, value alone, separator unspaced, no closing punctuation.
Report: 5:50:12
